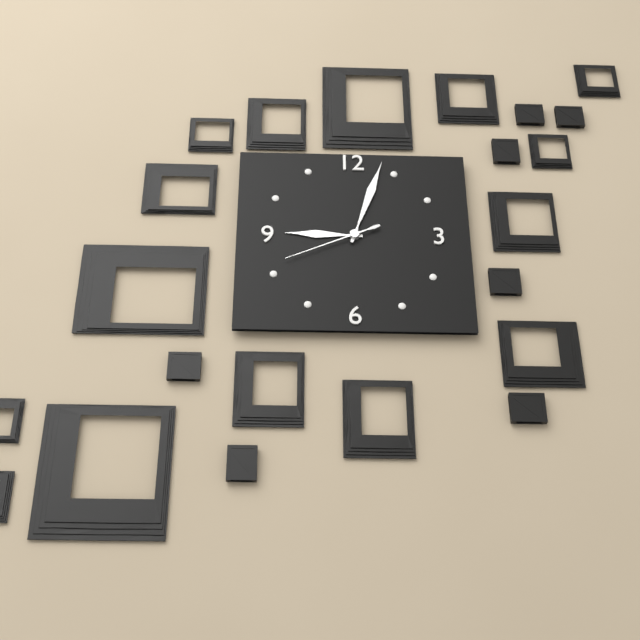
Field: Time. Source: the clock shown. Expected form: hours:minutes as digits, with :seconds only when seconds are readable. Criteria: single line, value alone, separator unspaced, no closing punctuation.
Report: 9:03:41
